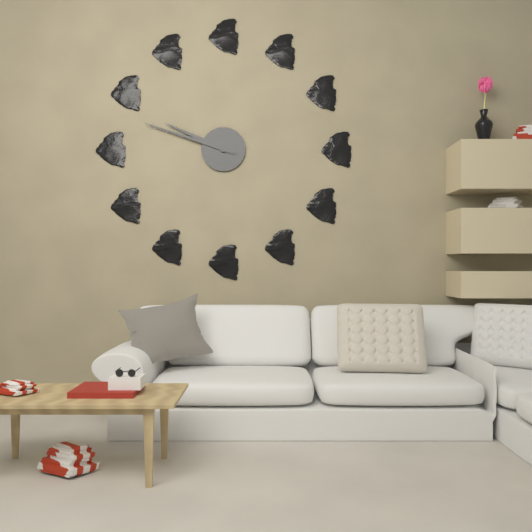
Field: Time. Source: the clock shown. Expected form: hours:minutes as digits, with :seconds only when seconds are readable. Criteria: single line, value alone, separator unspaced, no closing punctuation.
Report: 9:48
